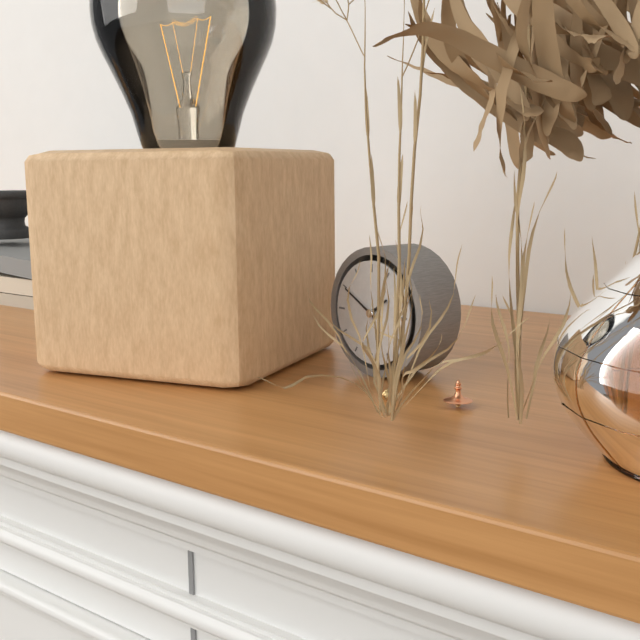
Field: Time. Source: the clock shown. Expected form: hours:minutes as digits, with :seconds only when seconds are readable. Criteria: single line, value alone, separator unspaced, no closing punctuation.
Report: 1:50
